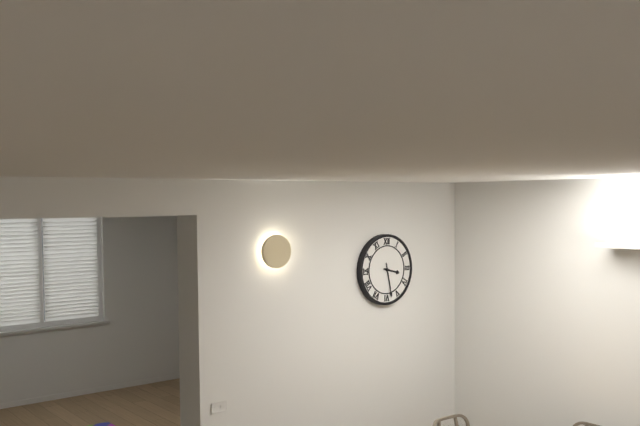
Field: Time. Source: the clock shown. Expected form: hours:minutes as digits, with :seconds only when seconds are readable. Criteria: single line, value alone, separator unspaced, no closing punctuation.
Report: 3:28
